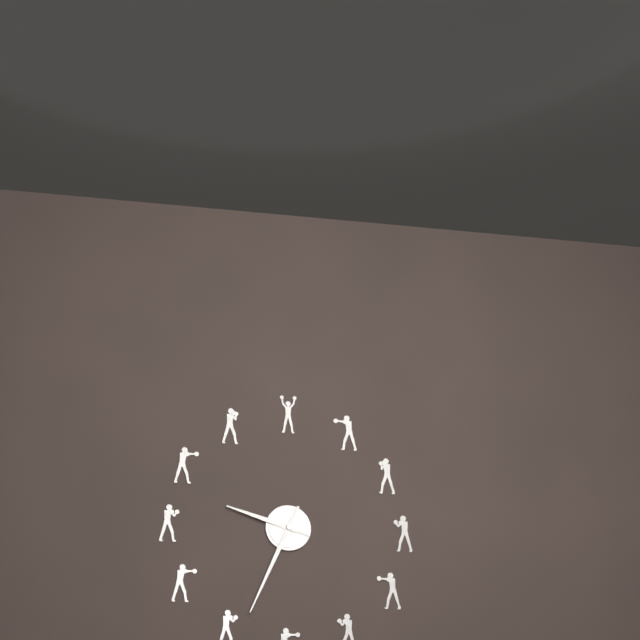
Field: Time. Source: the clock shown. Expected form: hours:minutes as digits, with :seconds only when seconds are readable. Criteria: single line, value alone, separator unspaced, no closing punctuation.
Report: 9:34
